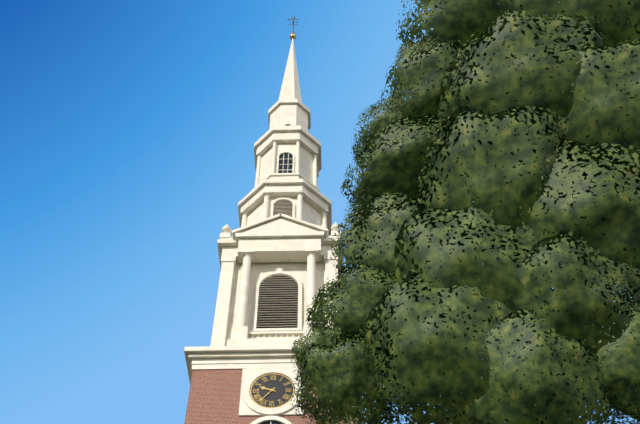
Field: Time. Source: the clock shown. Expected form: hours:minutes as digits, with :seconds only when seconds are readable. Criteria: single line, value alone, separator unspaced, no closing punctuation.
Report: 9:37
